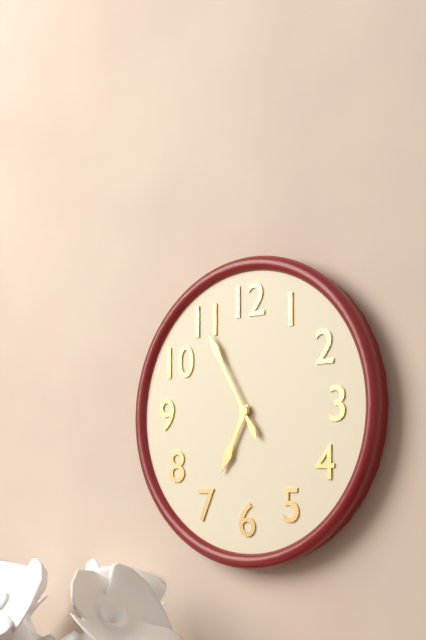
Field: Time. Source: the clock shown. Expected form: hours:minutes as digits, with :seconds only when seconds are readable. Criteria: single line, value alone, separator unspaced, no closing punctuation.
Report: 6:55
